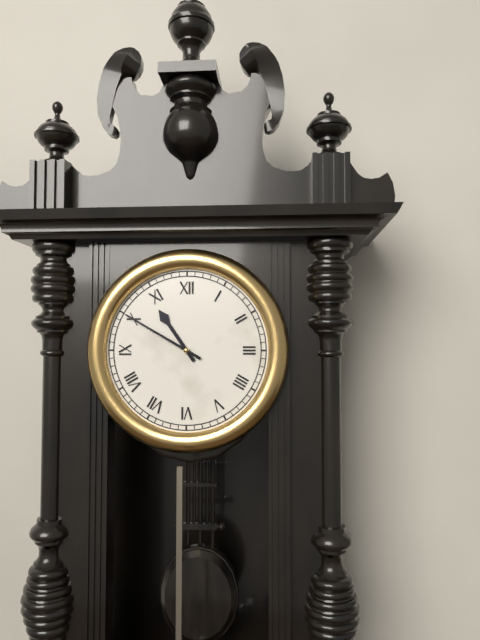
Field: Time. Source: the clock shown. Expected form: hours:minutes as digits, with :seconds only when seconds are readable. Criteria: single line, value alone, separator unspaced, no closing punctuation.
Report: 10:50
